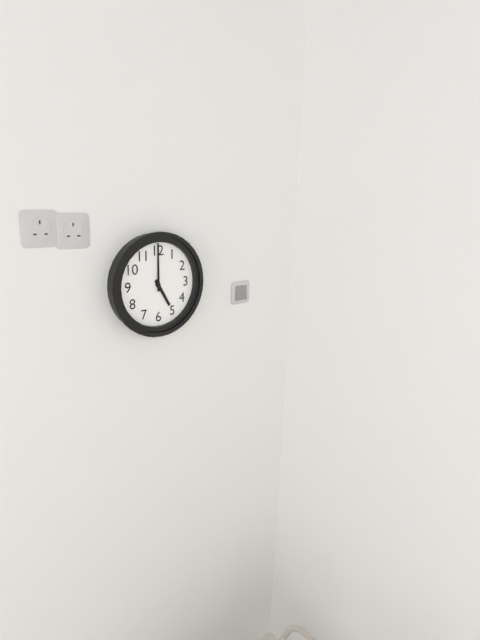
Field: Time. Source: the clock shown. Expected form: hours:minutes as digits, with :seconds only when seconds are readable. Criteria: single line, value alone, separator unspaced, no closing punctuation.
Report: 5:00
